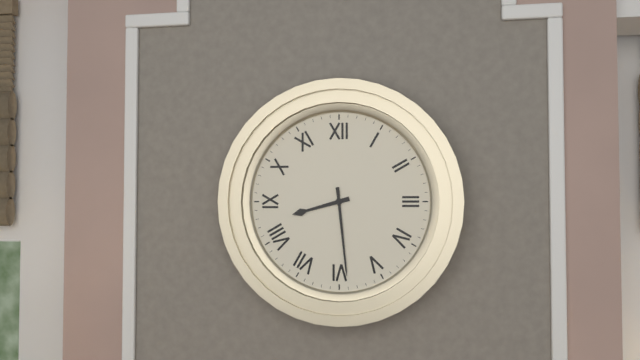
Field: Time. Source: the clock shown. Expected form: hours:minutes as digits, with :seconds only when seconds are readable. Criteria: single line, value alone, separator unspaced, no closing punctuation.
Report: 8:29
